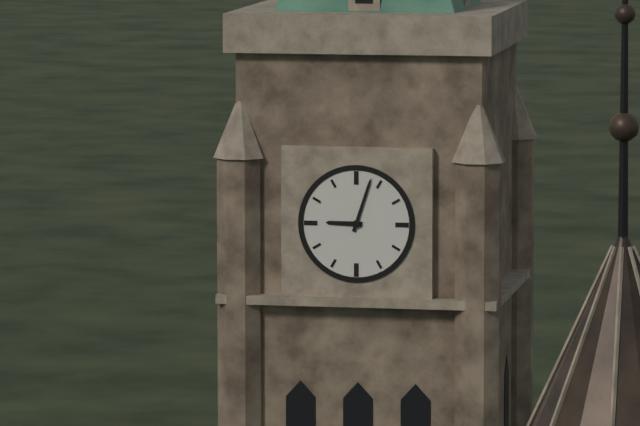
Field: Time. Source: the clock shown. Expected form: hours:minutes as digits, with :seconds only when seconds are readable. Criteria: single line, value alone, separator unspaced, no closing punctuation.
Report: 9:03
